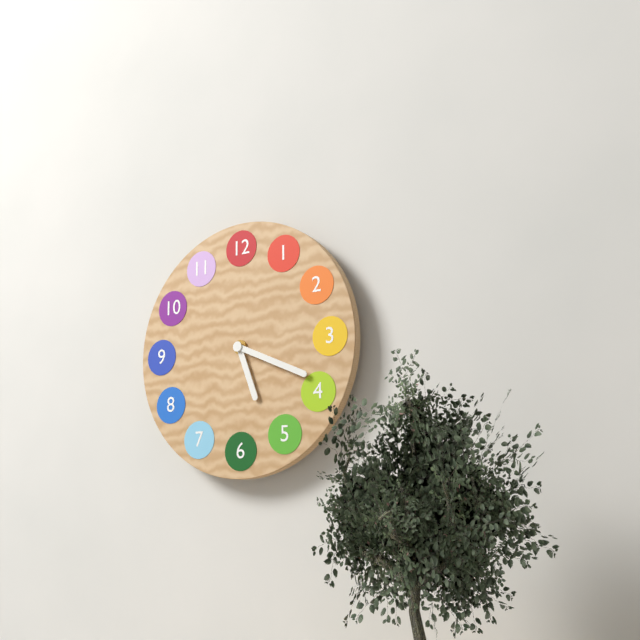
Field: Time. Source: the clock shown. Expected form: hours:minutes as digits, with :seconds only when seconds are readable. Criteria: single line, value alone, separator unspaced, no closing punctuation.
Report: 5:19
